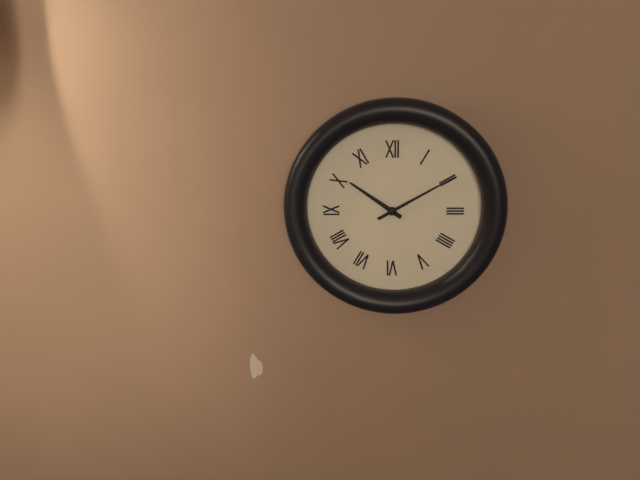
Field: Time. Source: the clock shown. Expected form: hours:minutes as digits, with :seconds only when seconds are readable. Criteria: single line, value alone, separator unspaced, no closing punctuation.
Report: 10:10
